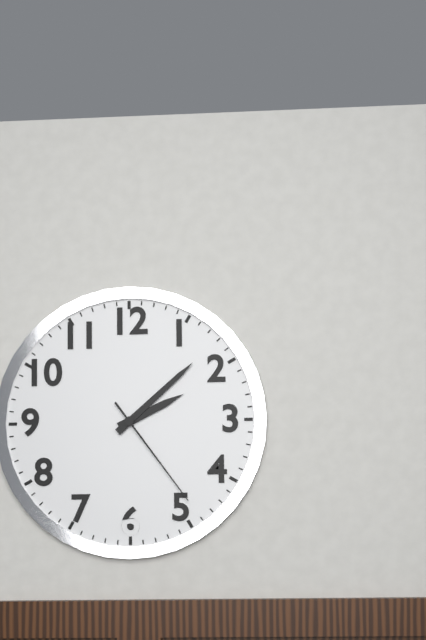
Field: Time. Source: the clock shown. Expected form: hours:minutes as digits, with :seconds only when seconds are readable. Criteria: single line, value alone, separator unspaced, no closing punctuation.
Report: 2:08:24
